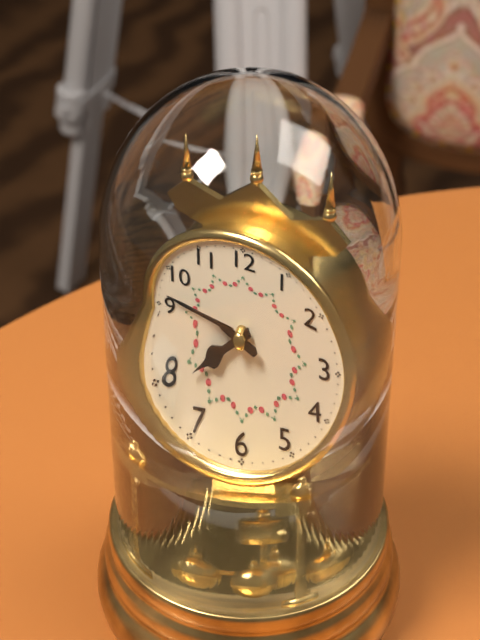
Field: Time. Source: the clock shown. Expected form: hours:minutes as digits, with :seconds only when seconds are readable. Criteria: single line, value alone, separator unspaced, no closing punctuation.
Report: 7:47
